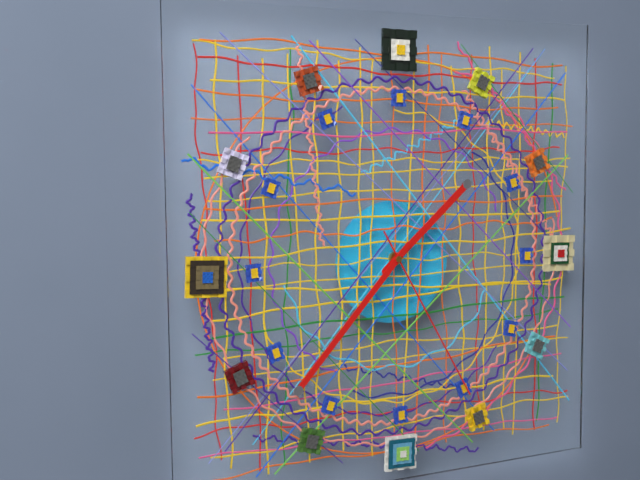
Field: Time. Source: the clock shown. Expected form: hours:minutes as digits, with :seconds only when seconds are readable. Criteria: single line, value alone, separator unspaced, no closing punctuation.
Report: 1:37:25
